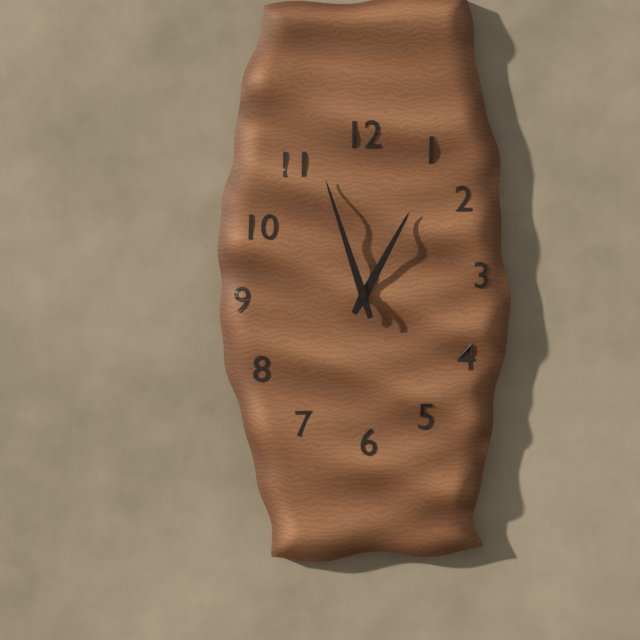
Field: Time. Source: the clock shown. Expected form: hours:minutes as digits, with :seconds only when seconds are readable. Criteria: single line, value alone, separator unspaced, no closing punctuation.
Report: 12:57
